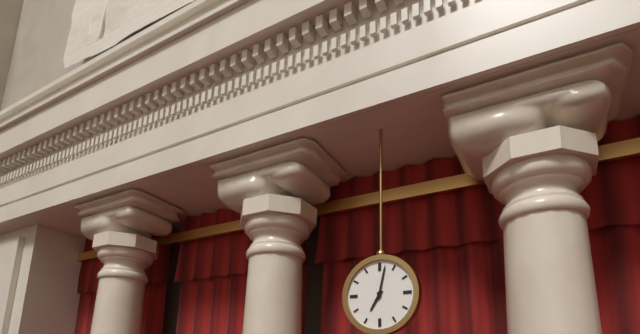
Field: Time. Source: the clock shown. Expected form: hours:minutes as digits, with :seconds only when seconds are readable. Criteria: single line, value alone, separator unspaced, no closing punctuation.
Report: 7:02
